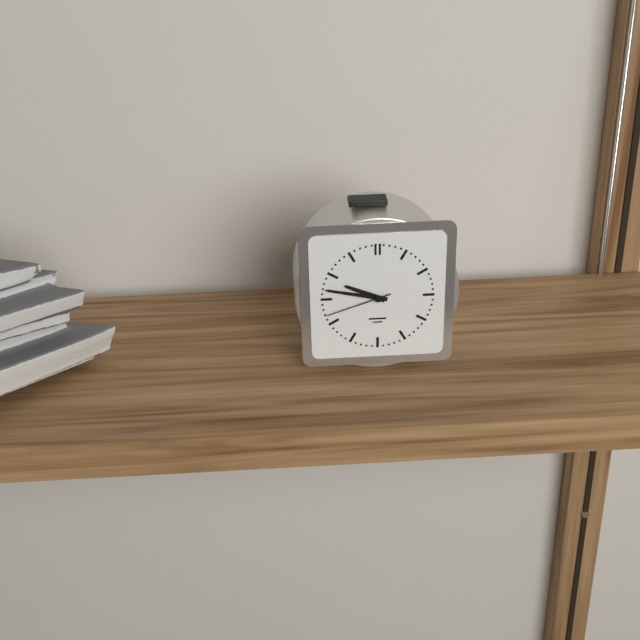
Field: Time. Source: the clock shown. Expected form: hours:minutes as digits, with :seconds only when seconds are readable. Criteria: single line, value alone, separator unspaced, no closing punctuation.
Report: 9:47:42
